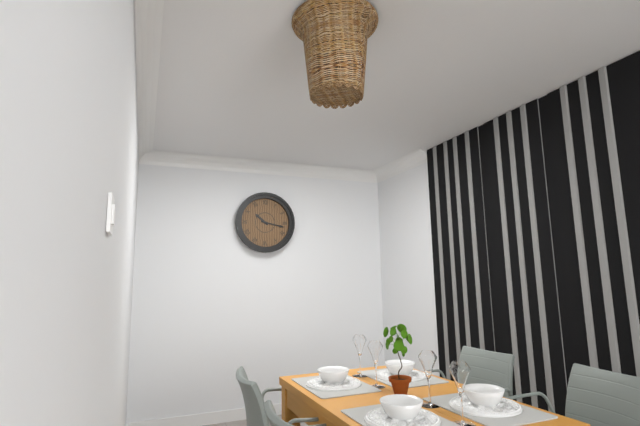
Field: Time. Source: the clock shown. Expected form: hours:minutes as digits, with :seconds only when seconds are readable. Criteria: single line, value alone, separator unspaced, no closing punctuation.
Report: 10:17
